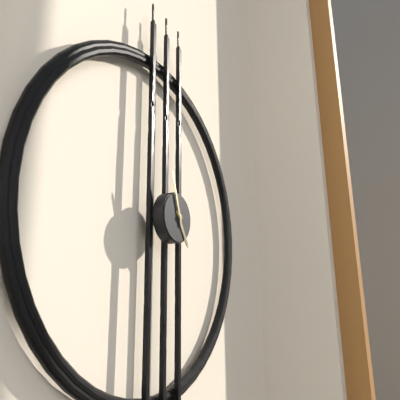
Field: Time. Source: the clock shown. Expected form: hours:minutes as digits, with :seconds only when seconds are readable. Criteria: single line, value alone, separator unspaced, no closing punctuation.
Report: 4:57
